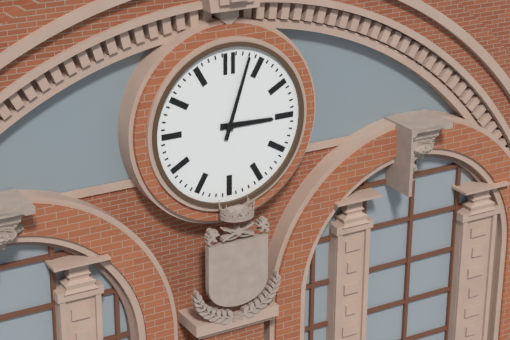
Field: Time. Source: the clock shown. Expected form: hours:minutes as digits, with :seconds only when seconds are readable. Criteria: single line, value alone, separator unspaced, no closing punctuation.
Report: 3:03
